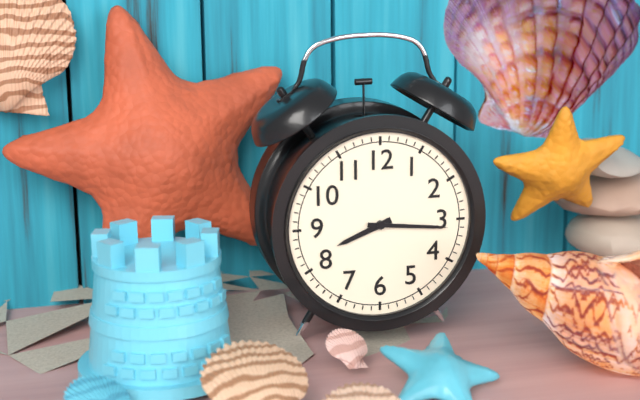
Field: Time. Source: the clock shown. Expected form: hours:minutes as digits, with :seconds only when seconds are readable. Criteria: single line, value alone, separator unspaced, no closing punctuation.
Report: 8:16
